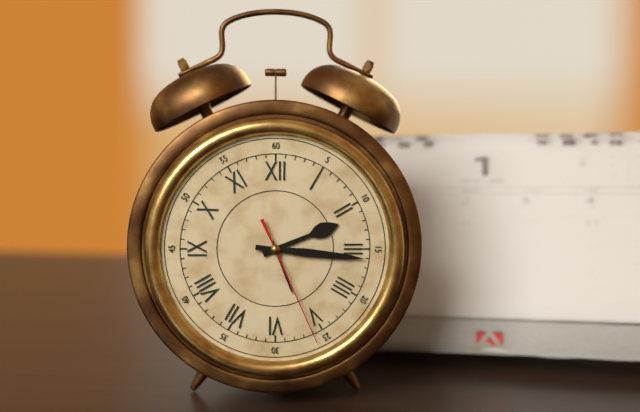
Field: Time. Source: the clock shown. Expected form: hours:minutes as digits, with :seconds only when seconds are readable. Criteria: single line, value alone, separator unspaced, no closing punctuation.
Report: 2:16:26
